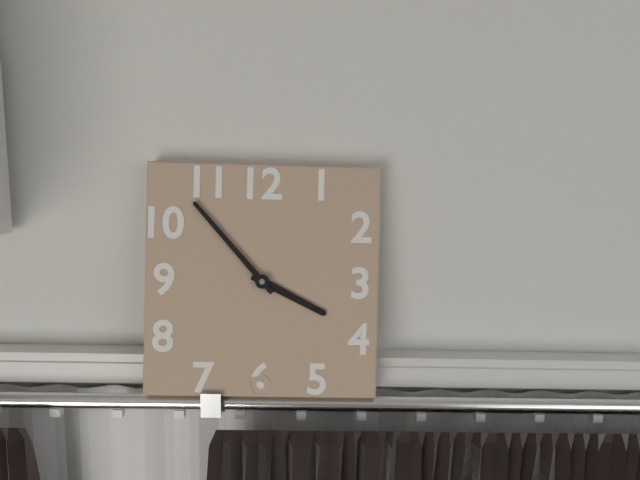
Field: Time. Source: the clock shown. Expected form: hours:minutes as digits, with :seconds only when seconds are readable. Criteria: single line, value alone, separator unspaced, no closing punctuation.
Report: 3:53
